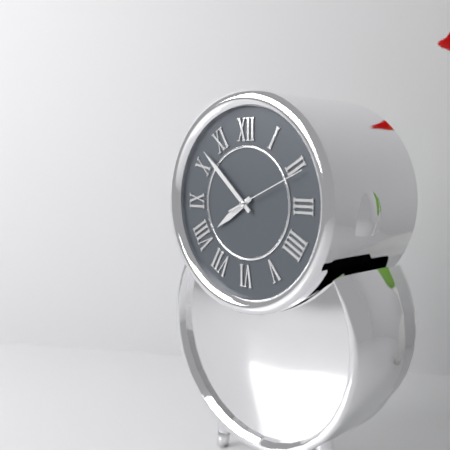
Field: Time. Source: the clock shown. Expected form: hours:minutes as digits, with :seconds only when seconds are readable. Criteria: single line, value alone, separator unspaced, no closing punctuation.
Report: 7:52:11
